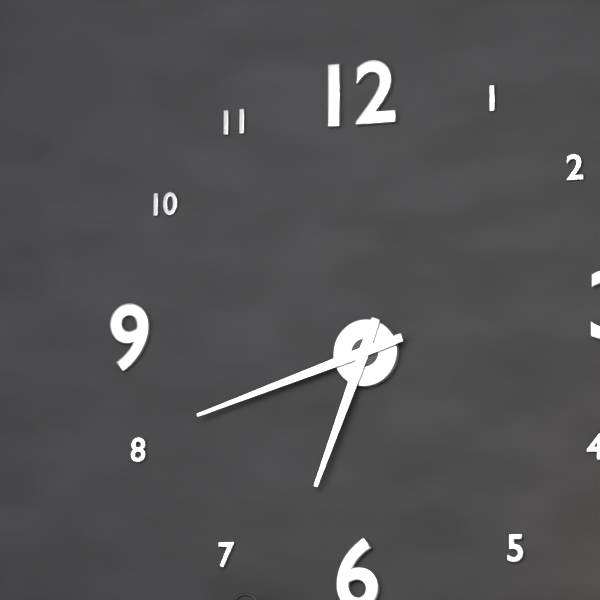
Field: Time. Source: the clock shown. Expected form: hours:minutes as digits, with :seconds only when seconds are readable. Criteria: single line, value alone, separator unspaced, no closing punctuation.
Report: 6:42
